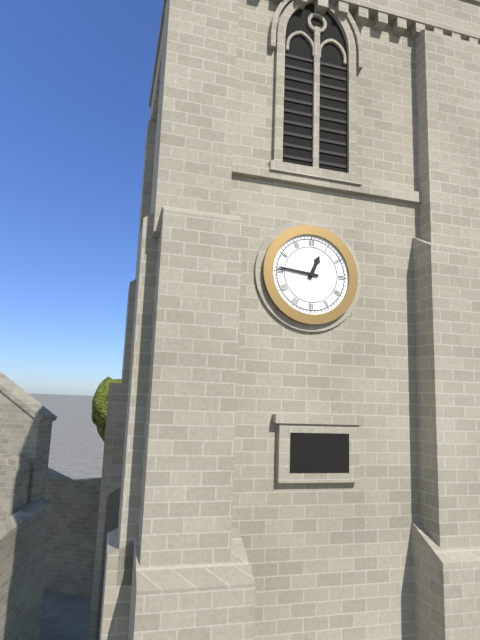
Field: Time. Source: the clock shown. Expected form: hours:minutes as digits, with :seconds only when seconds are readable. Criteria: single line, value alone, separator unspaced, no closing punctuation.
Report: 12:46
